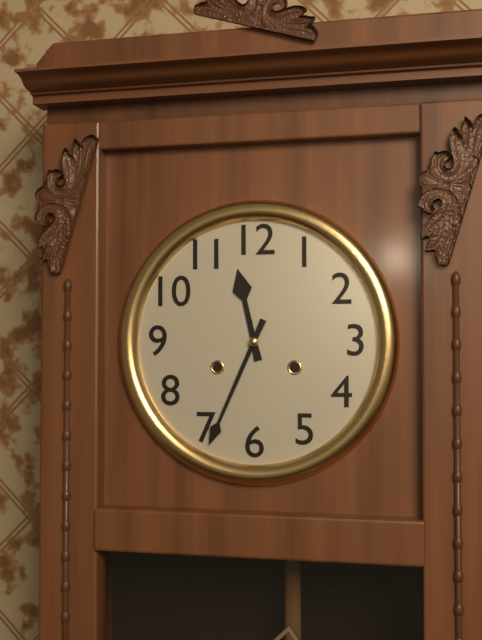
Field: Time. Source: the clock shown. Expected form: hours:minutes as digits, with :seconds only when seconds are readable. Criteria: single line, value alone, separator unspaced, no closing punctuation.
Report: 11:34
